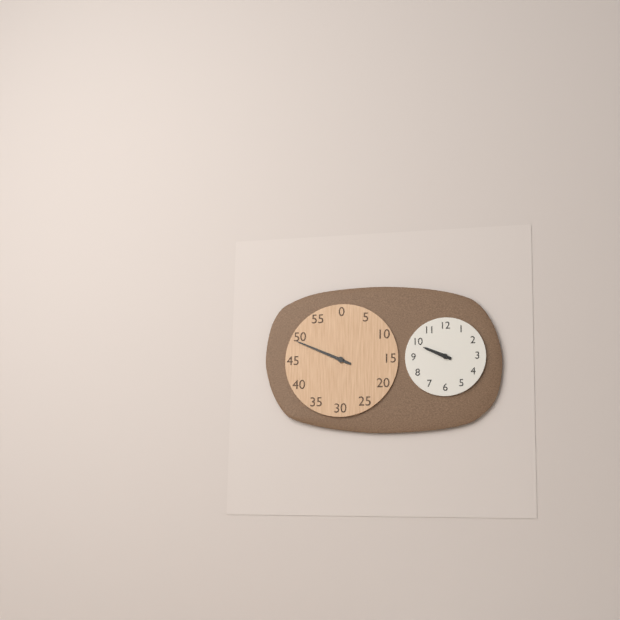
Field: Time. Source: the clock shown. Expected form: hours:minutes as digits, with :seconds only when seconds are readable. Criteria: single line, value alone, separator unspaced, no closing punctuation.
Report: 9:49
